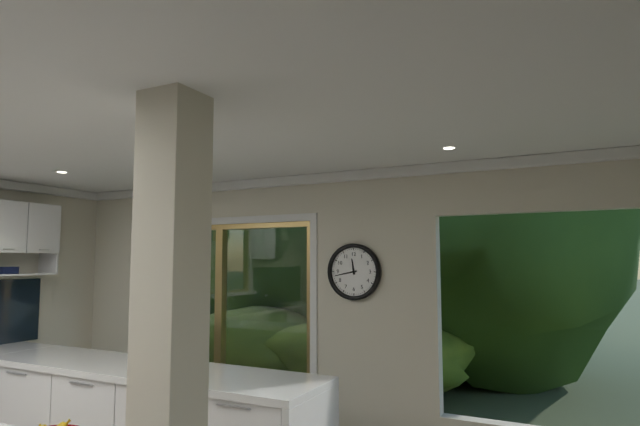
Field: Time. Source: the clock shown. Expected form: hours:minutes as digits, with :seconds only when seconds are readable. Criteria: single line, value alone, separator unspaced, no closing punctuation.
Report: 11:43
